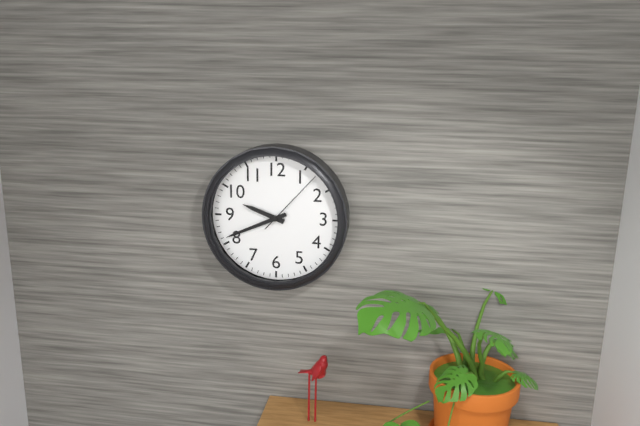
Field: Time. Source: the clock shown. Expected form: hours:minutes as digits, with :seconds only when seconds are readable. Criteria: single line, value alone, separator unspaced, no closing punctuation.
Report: 9:41:07
